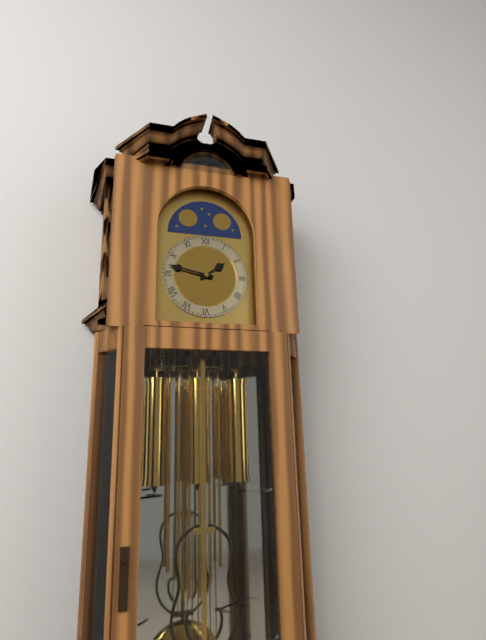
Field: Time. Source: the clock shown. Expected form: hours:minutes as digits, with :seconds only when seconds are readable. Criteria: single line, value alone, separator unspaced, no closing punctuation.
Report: 1:47
